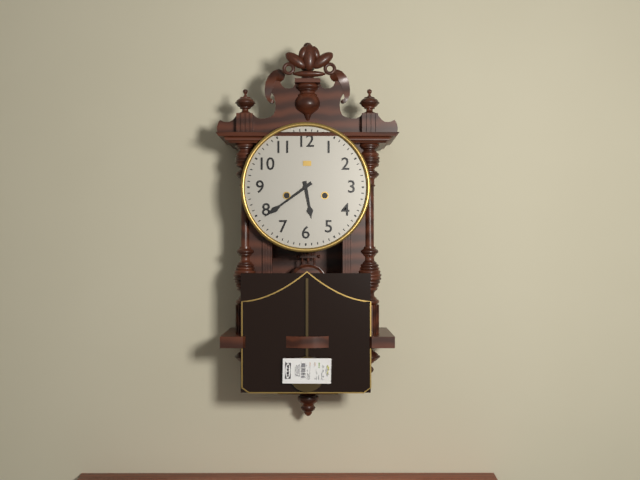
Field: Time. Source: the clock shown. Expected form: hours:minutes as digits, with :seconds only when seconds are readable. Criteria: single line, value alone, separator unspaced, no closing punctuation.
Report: 5:39
